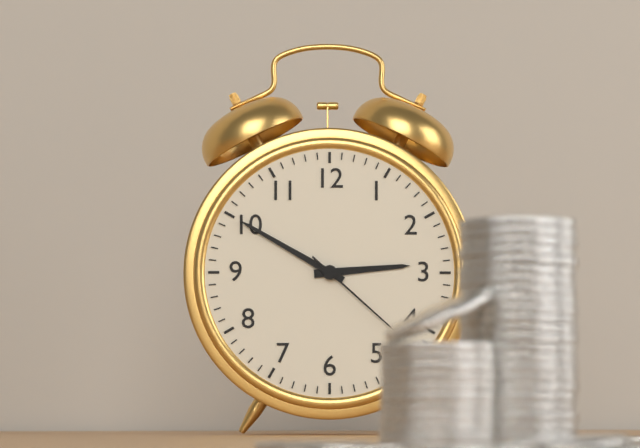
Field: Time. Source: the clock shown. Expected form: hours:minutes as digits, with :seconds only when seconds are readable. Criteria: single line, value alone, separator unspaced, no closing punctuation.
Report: 2:50:22
